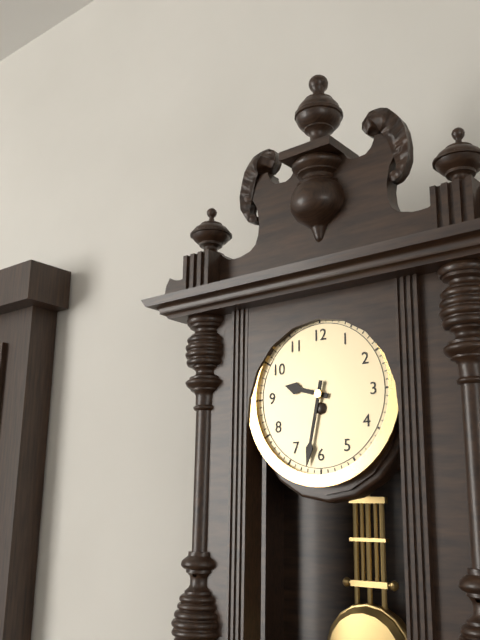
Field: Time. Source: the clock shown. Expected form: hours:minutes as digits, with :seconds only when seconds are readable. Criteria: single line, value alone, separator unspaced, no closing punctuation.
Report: 9:32
